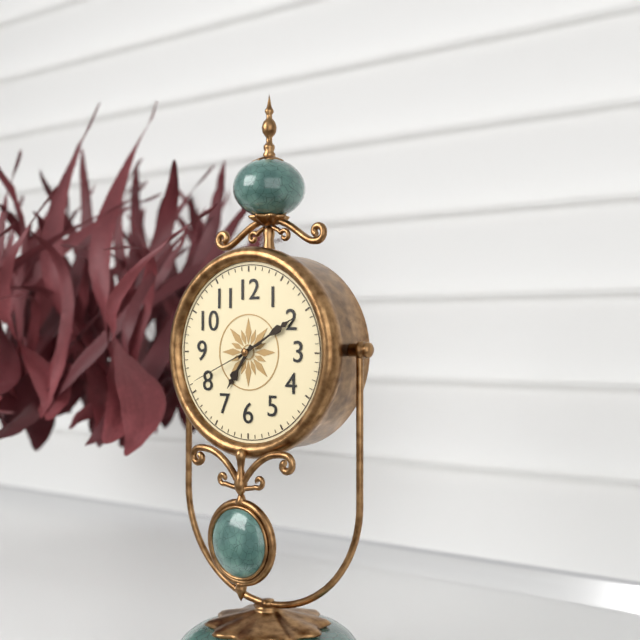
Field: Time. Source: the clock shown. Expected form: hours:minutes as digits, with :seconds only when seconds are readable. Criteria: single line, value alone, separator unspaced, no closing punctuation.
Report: 7:10:41
